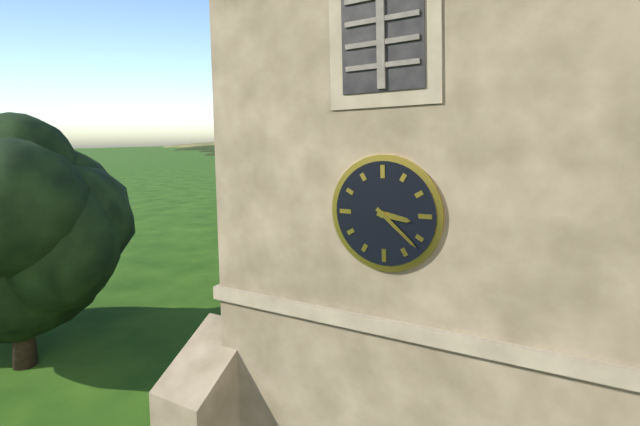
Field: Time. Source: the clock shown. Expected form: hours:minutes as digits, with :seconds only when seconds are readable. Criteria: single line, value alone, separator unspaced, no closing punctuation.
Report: 3:22
